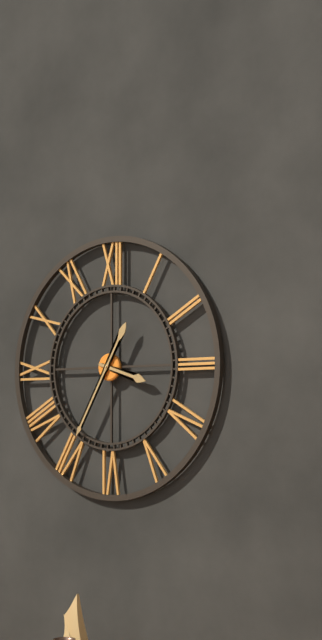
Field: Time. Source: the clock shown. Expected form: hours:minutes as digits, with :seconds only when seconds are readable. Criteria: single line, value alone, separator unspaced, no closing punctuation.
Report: 3:35
